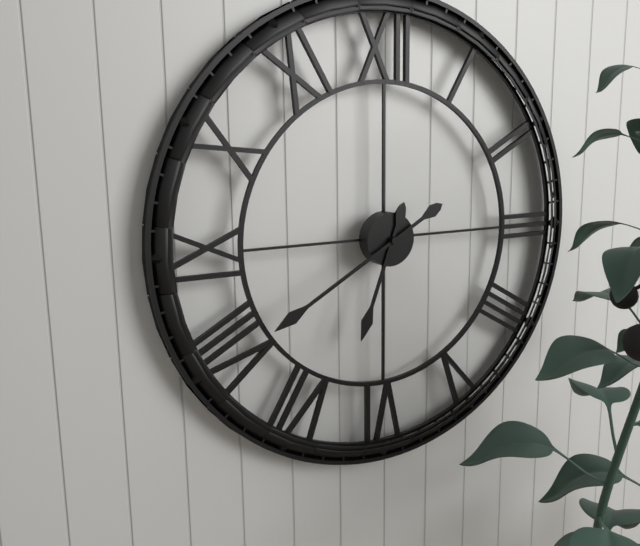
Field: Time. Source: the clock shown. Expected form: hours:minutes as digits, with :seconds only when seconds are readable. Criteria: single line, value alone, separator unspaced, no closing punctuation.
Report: 6:40
